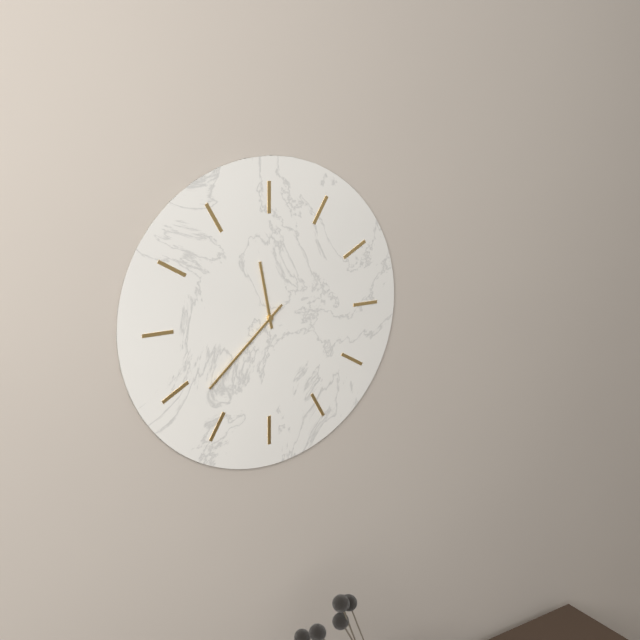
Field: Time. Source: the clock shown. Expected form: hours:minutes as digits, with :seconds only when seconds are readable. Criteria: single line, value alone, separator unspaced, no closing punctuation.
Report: 11:38
